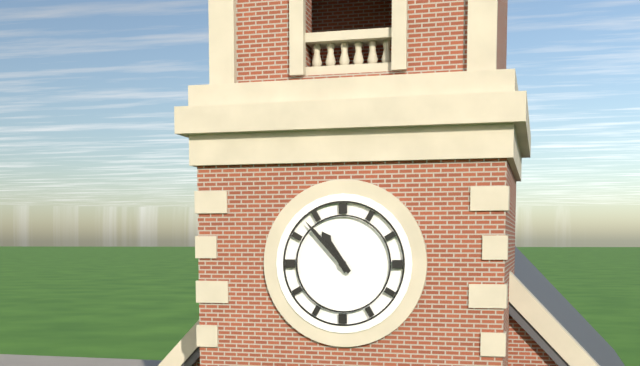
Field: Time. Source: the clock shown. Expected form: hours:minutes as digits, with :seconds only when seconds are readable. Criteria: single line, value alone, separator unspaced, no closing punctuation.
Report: 10:53
